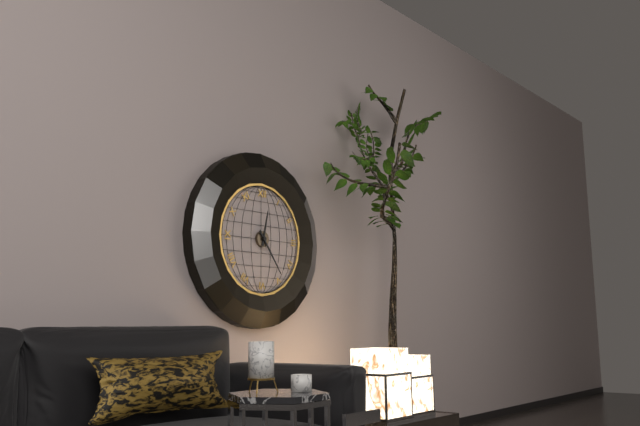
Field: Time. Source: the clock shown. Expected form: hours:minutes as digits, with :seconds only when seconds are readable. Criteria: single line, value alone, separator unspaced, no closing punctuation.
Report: 12:24
